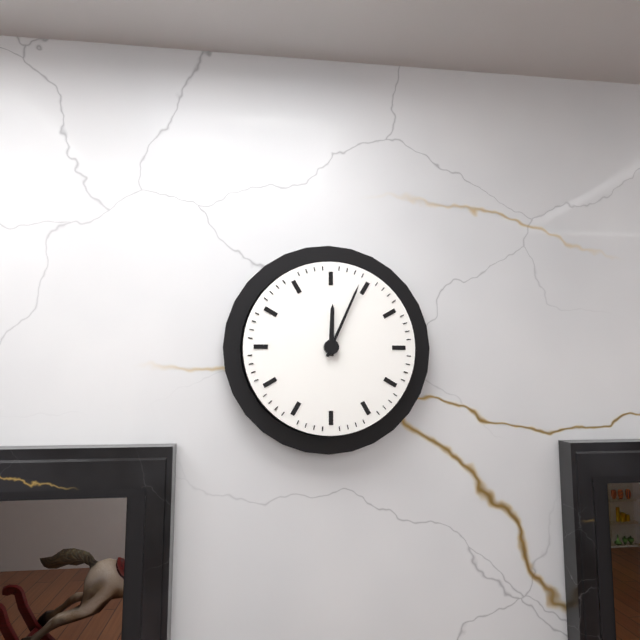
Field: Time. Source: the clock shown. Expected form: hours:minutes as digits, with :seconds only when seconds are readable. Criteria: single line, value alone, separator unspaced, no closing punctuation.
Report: 12:04
